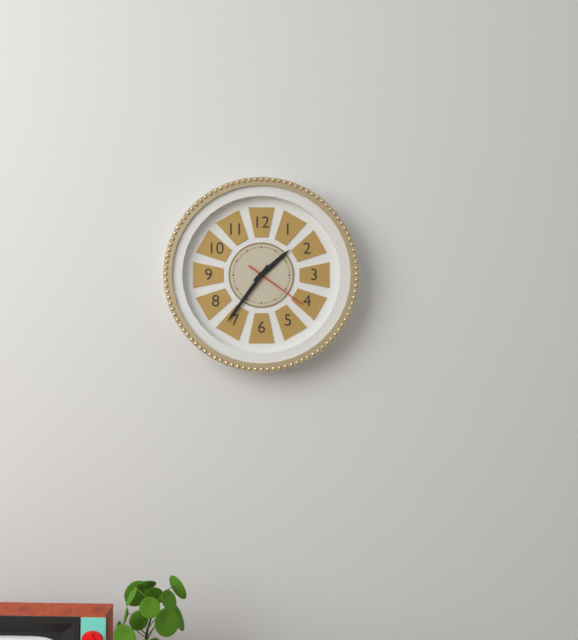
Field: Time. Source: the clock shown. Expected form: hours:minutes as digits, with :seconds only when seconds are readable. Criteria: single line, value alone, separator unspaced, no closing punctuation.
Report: 1:36:21
